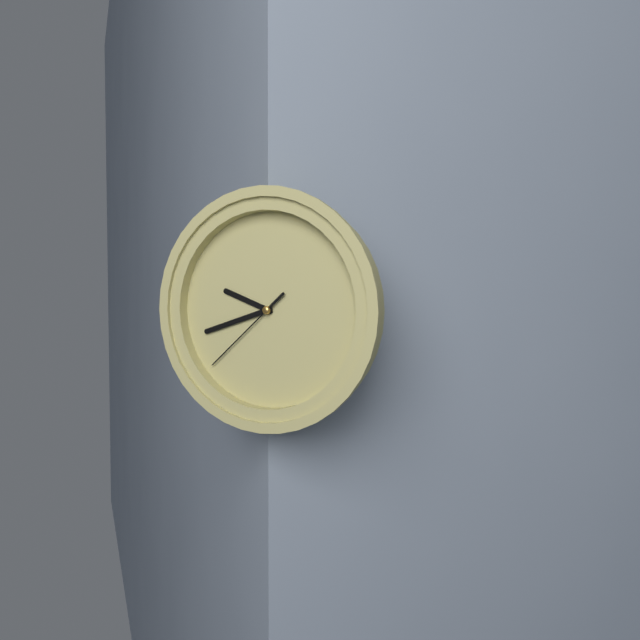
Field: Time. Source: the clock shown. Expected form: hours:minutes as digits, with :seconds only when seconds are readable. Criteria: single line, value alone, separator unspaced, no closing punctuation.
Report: 9:42:38
